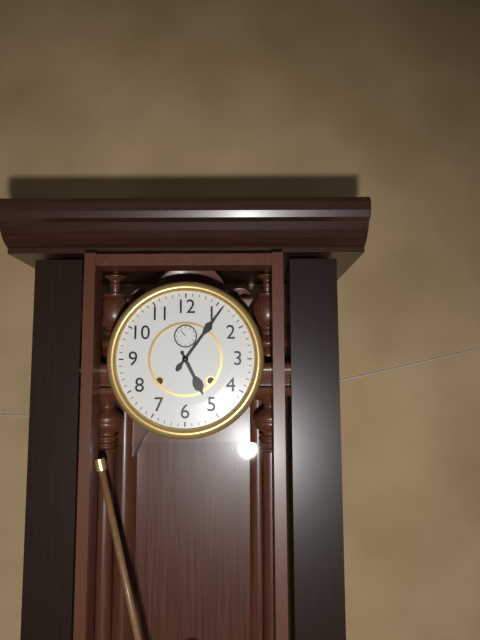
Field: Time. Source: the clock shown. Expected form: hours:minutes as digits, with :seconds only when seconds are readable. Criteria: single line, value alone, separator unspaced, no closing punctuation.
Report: 5:06
